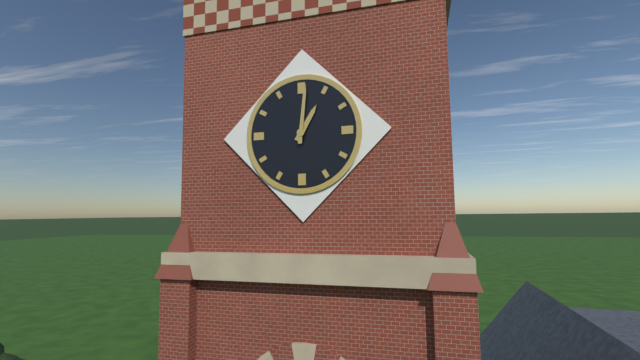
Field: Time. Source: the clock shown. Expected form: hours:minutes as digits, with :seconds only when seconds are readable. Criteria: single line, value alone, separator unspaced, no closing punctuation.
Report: 1:01
